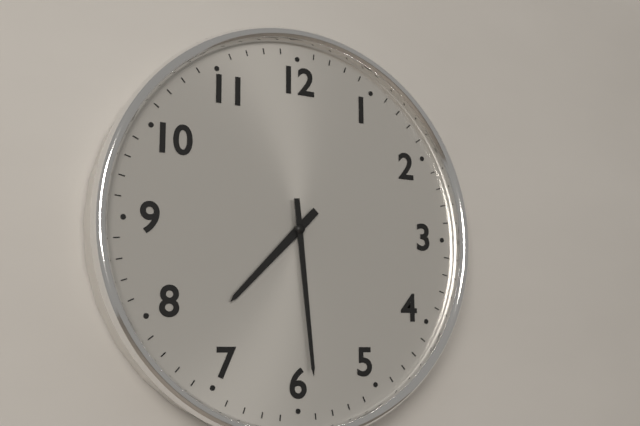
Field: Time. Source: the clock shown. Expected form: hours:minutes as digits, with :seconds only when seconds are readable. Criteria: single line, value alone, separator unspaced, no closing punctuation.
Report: 7:29
